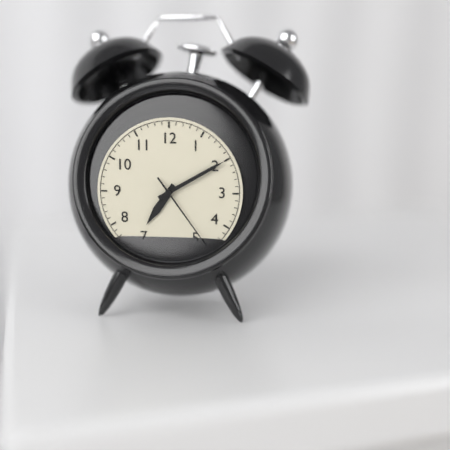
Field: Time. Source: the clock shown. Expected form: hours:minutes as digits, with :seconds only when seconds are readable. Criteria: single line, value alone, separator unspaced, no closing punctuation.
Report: 7:10:24
